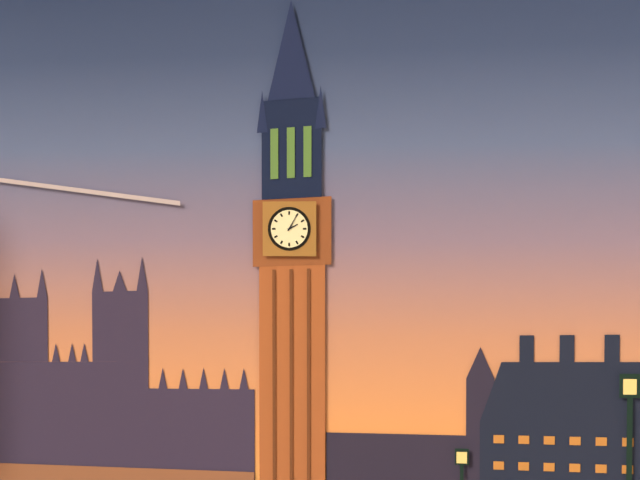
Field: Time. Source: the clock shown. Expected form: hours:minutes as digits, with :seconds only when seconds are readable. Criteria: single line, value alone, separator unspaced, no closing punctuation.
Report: 2:05
